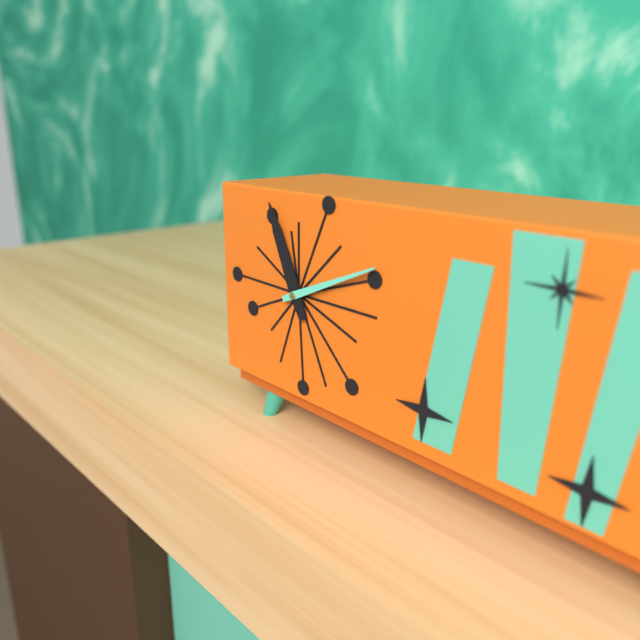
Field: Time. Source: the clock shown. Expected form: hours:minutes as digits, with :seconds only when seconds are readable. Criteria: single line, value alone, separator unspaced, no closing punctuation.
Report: 11:11
